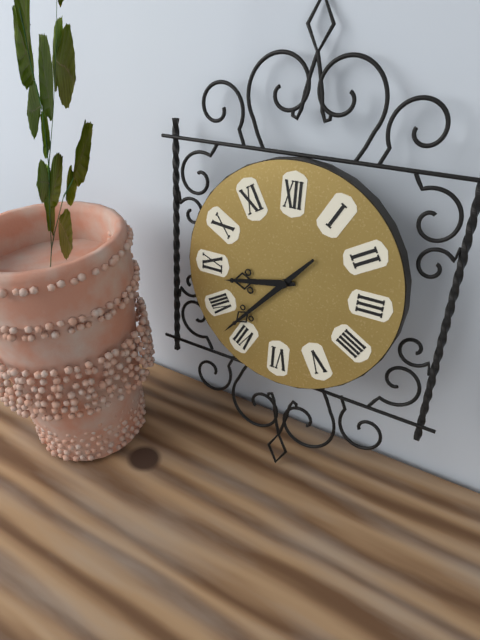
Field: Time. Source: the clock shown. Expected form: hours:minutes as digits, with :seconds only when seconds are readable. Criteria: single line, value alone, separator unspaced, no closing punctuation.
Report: 8:37
